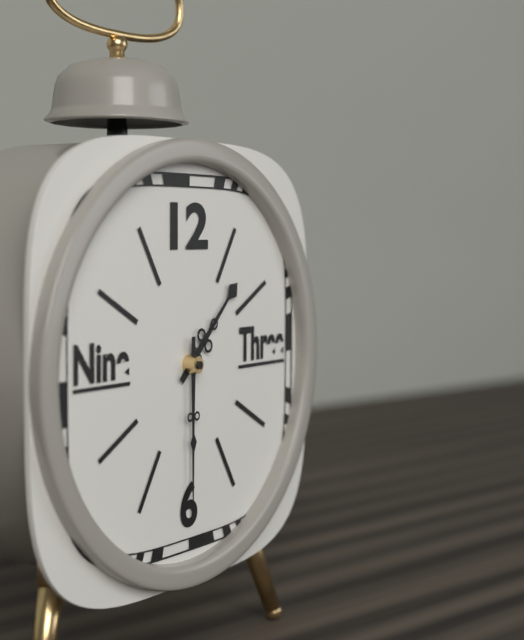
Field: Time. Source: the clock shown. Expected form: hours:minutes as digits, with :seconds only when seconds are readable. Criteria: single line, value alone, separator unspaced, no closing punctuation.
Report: 1:30
